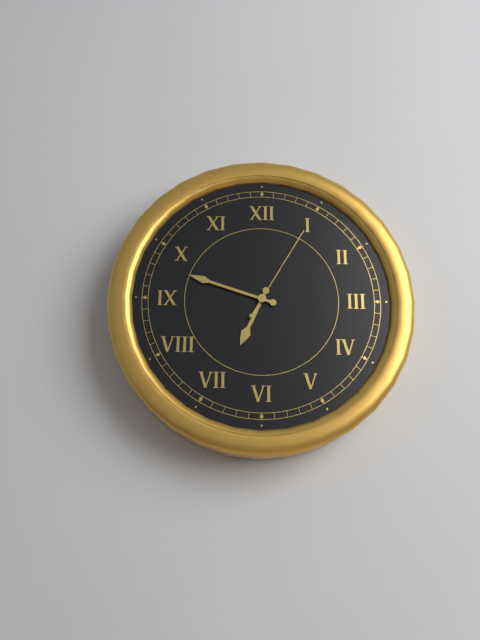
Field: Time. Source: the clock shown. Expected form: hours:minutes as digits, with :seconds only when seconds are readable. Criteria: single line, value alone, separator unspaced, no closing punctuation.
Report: 6:48:05
